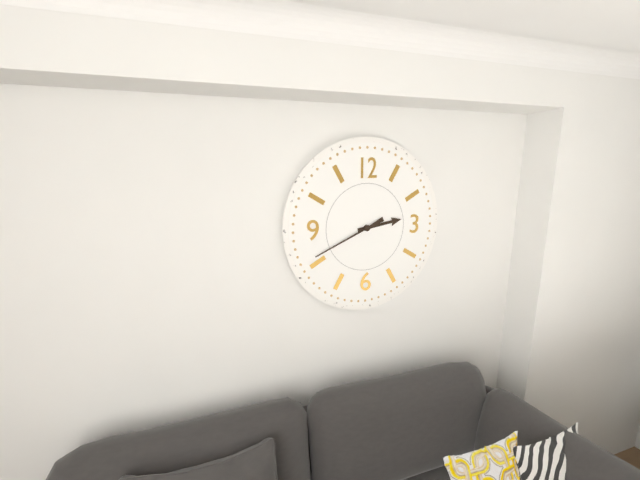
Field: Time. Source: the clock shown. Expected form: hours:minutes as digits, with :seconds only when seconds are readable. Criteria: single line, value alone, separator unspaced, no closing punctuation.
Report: 2:41
